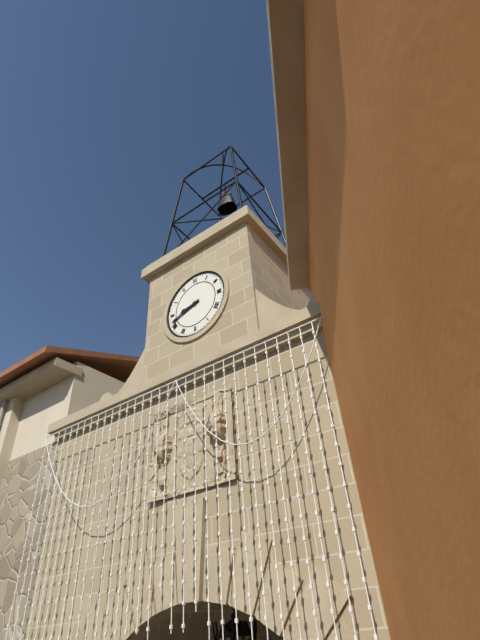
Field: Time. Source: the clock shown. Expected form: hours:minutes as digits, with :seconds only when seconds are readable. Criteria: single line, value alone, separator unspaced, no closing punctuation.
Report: 8:42
